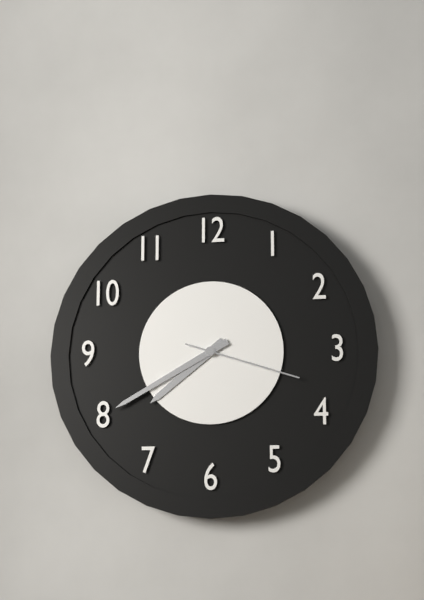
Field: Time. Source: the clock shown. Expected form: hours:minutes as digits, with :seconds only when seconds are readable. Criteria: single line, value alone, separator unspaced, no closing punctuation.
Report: 7:40:18
